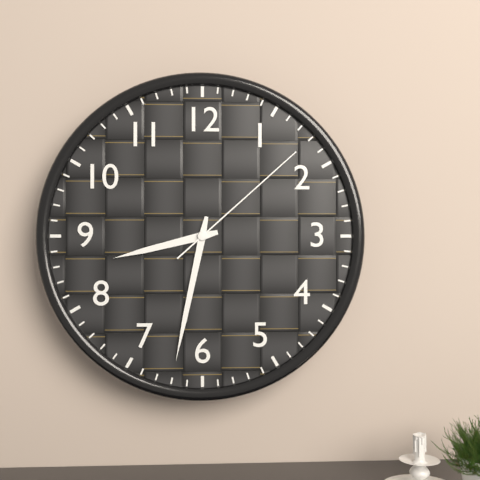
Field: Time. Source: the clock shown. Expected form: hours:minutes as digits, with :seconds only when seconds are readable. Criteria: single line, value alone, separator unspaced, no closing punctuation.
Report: 8:32:08
